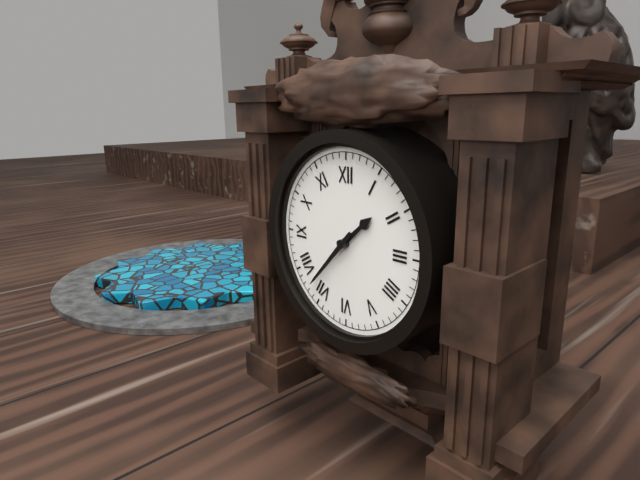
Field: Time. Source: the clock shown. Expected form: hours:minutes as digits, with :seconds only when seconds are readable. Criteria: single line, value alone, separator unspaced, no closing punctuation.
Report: 1:37
